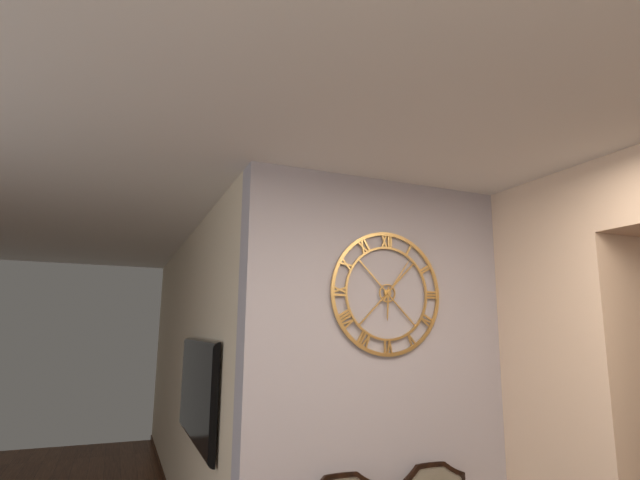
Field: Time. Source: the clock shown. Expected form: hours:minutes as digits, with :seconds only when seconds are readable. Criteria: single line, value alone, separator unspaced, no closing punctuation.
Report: 6:06
